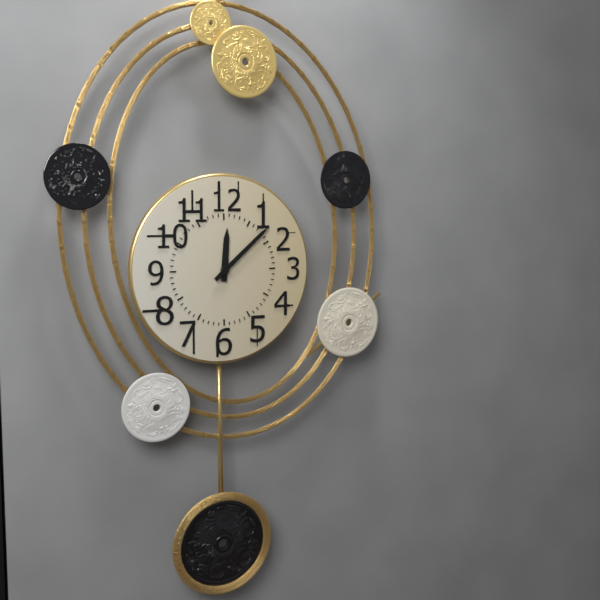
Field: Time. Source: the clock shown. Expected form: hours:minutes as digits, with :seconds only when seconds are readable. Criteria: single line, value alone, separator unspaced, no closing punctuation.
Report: 12:08
